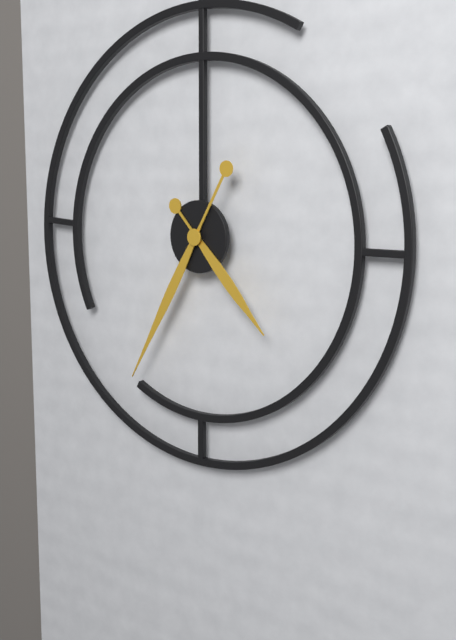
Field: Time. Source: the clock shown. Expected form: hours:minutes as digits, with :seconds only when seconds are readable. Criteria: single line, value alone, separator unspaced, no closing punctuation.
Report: 4:35
